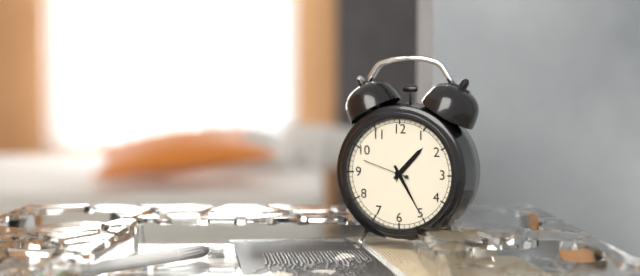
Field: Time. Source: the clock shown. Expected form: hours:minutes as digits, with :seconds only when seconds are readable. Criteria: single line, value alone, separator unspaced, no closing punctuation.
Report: 1:25
